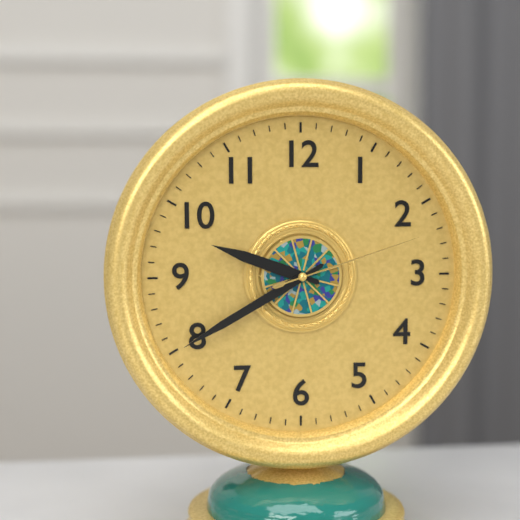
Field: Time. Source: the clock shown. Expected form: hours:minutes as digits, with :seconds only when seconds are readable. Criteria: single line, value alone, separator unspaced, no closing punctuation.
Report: 9:40:12
